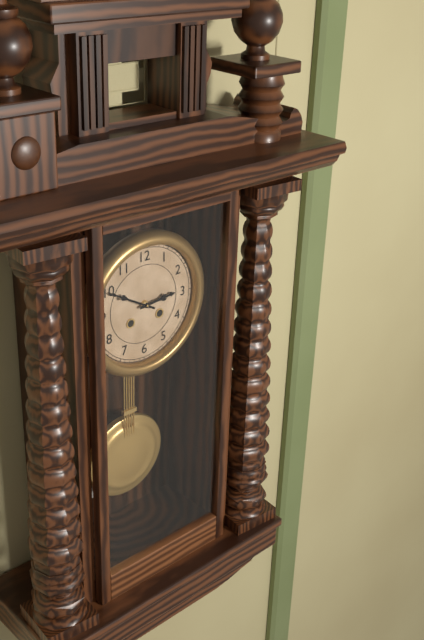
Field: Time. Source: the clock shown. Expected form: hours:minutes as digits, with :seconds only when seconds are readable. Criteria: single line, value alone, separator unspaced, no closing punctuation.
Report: 2:50
